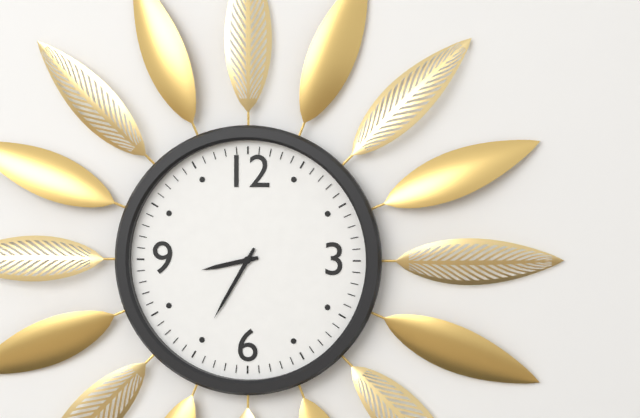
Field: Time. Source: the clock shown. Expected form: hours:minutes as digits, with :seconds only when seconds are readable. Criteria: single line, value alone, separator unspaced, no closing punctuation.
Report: 8:35
